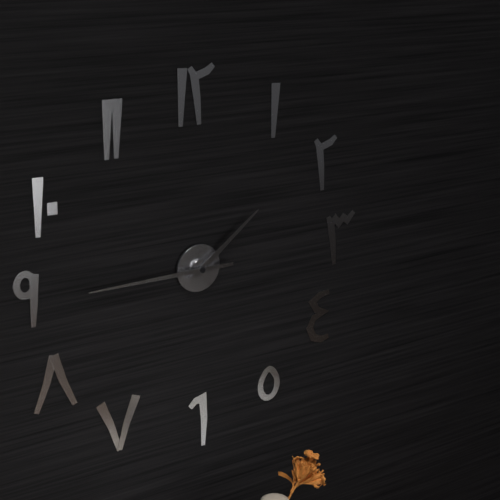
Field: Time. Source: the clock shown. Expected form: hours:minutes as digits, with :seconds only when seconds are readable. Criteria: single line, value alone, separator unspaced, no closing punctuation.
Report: 1:45
